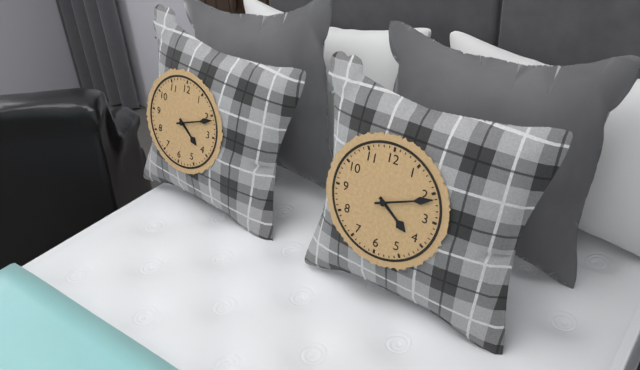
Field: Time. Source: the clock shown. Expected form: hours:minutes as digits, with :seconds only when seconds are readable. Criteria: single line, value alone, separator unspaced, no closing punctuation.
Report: 4:11
